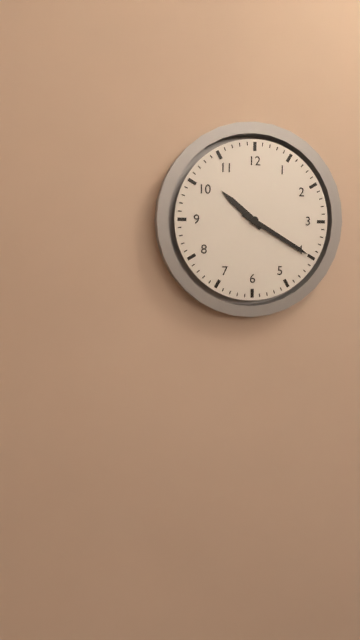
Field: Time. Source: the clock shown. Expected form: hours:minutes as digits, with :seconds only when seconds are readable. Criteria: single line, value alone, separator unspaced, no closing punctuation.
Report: 10:20
